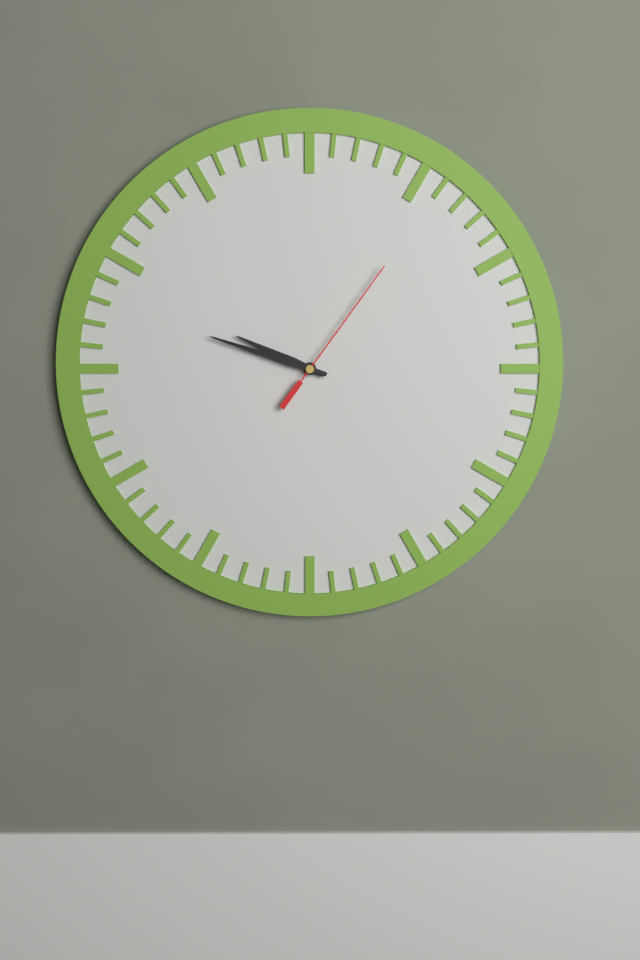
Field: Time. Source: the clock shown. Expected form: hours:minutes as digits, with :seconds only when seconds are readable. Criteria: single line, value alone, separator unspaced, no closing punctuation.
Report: 9:48:06
